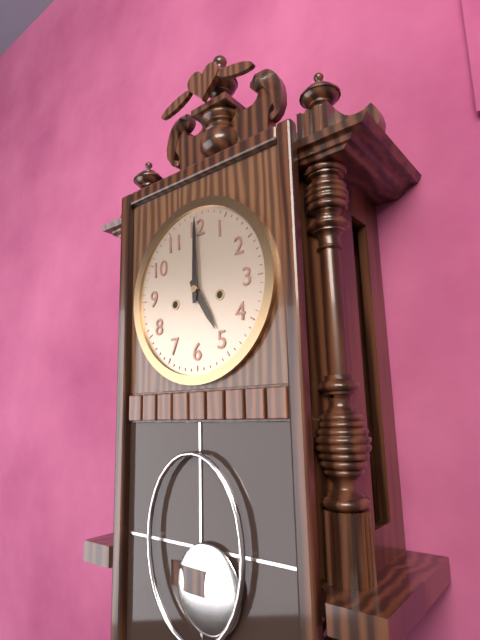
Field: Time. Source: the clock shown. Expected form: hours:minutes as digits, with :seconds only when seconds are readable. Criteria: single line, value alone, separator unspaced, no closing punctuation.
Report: 5:00
